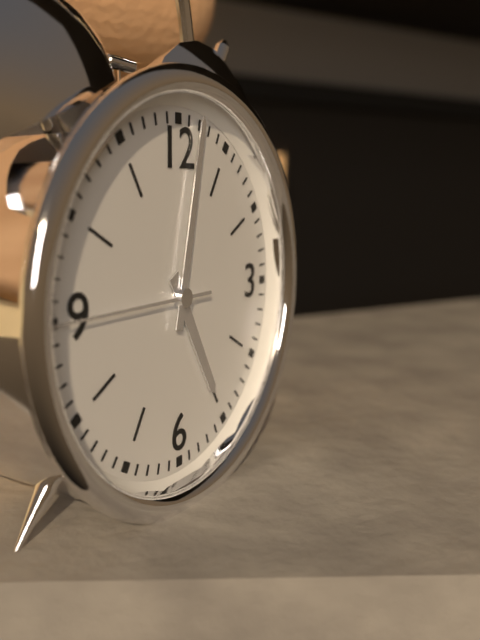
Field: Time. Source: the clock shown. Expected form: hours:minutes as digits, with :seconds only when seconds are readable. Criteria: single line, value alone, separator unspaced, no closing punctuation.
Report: 5:02:45
